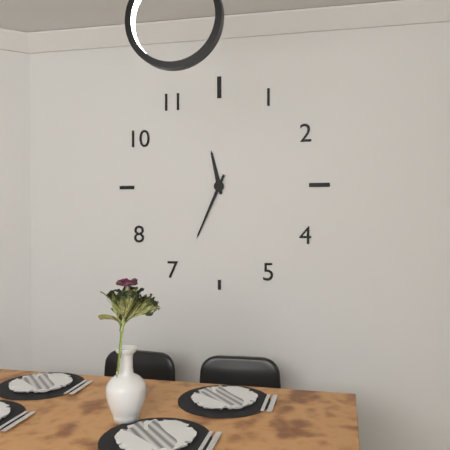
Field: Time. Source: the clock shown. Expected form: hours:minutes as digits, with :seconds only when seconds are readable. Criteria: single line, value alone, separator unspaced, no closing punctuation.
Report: 11:34
